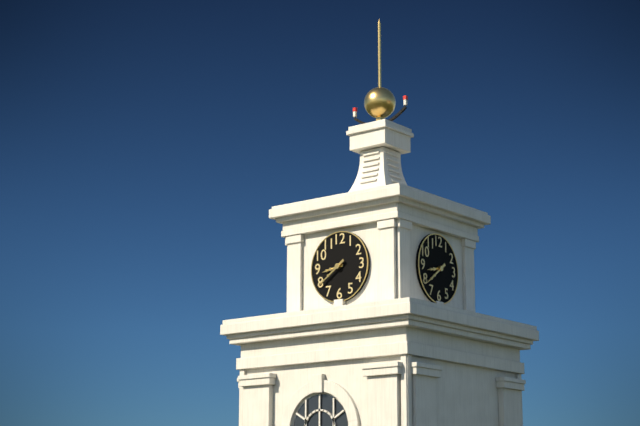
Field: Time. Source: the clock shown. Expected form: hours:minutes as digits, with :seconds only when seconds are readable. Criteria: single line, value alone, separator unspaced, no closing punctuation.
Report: 8:39
